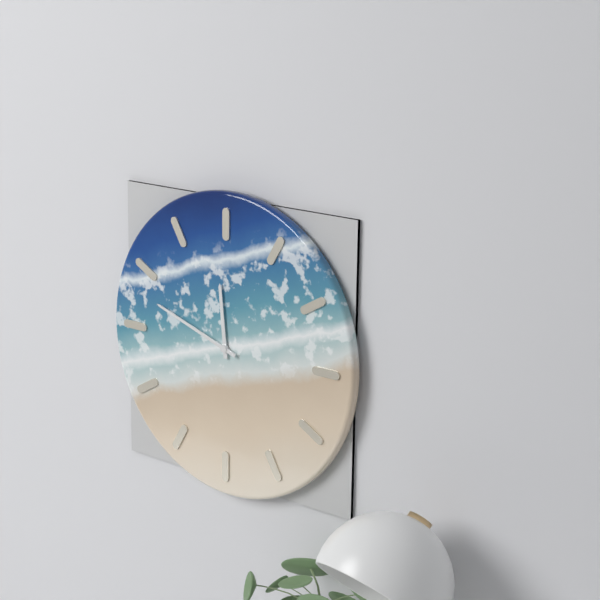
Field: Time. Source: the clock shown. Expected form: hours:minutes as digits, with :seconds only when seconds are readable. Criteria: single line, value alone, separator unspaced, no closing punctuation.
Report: 11:48
